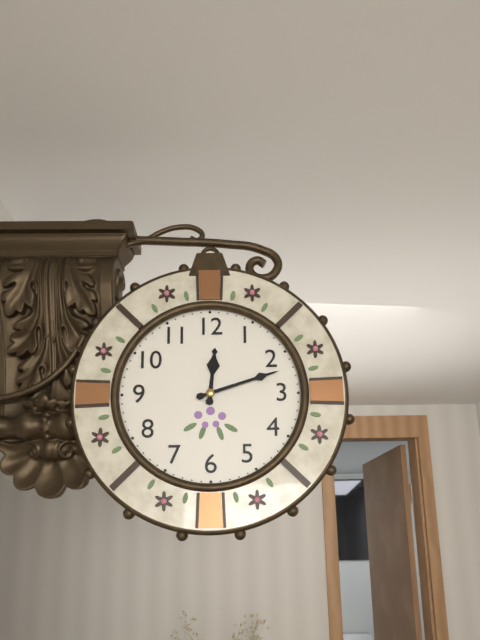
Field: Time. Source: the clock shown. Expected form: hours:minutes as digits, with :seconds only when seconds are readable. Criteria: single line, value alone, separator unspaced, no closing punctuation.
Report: 12:12
